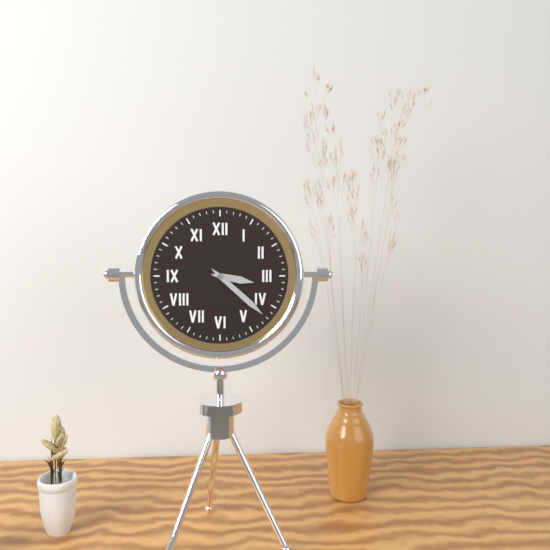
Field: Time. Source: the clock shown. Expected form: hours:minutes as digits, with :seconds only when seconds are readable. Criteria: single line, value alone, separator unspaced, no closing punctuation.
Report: 3:22
